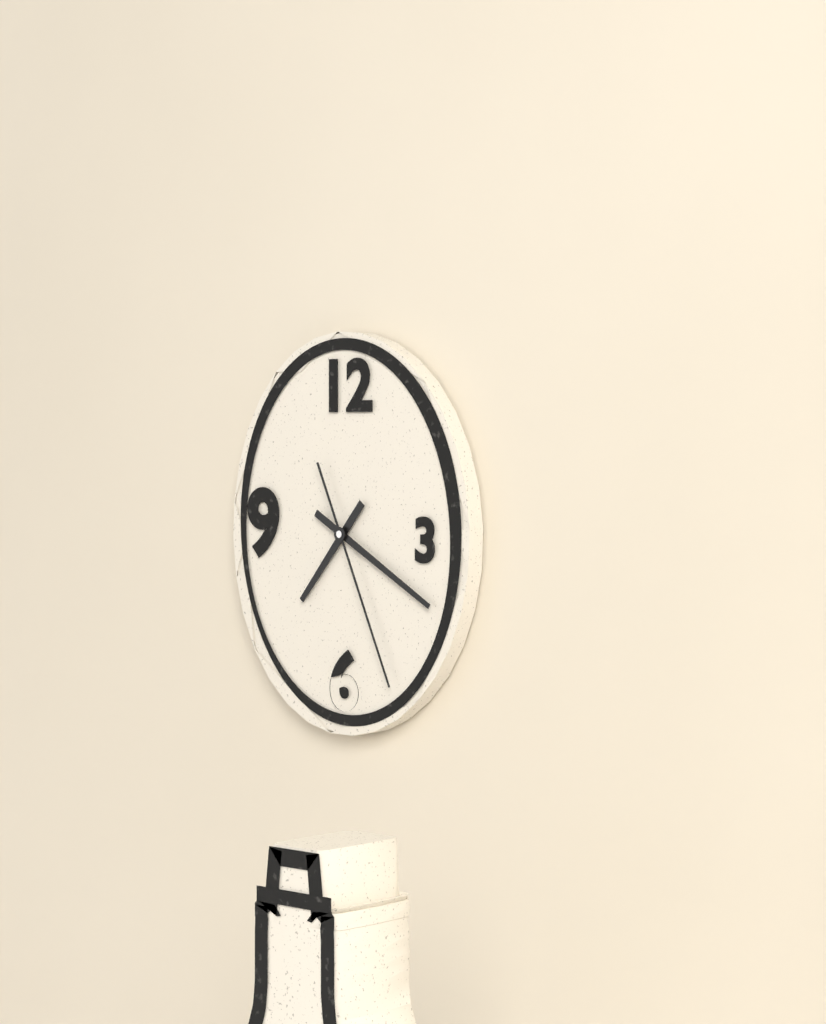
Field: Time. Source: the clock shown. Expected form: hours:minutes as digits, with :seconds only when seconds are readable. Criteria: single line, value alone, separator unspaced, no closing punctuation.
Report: 7:20:26
